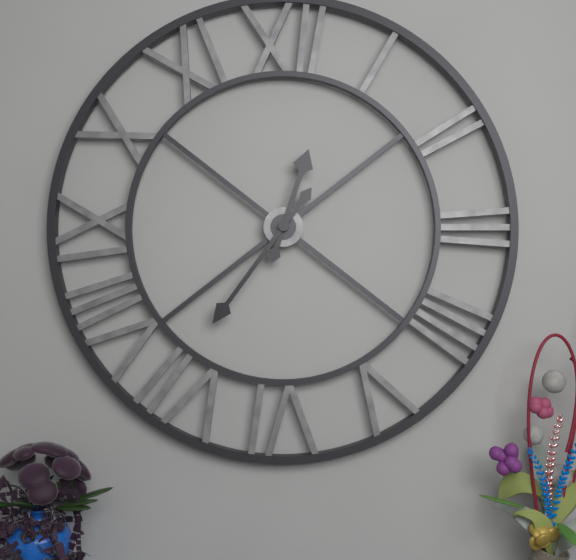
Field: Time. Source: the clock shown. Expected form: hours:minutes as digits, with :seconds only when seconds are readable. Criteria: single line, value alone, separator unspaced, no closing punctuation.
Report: 12:36
